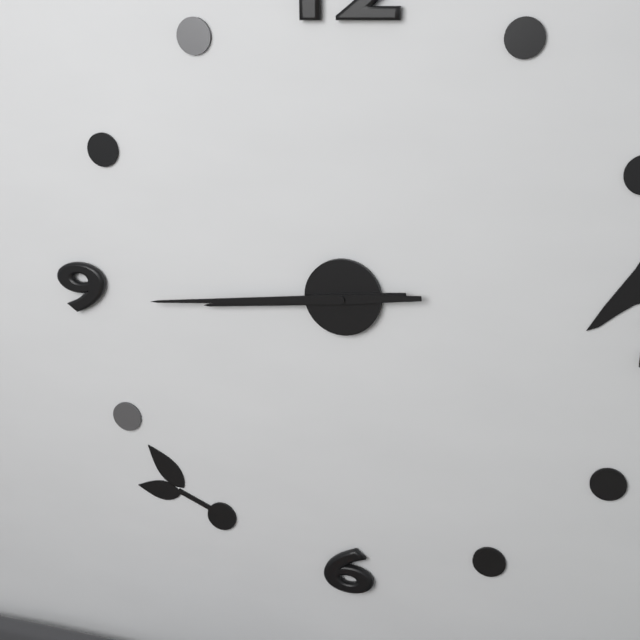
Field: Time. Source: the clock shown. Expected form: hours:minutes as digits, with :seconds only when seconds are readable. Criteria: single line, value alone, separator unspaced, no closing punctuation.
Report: 8:44
